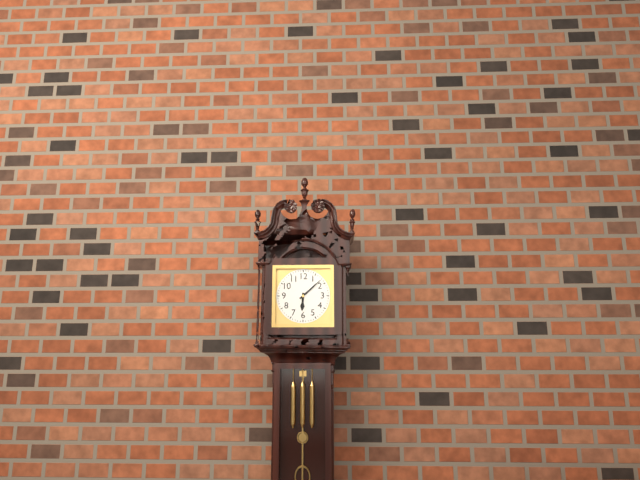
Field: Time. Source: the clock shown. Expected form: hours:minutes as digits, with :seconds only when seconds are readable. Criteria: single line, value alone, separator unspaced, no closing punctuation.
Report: 6:08
